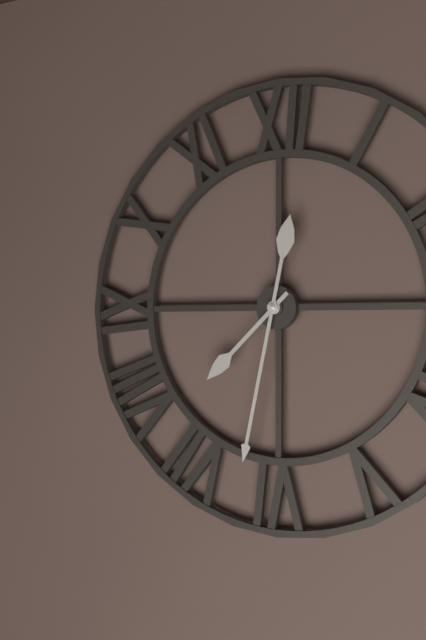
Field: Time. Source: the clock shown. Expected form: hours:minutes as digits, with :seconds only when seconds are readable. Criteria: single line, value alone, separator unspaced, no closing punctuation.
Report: 7:32
